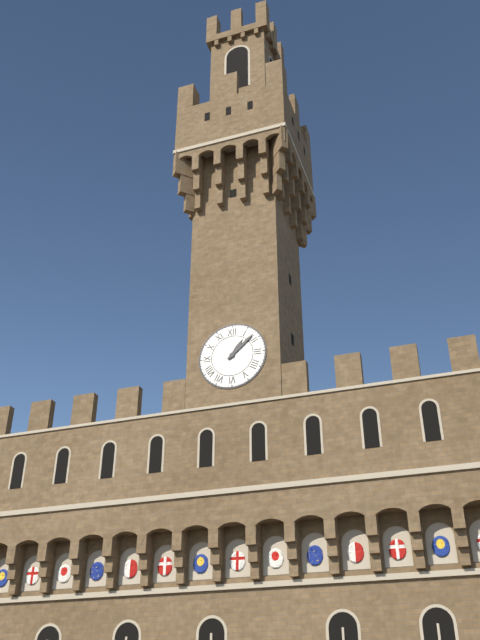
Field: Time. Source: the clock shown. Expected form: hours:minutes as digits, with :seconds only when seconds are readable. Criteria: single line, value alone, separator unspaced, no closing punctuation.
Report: 1:08
